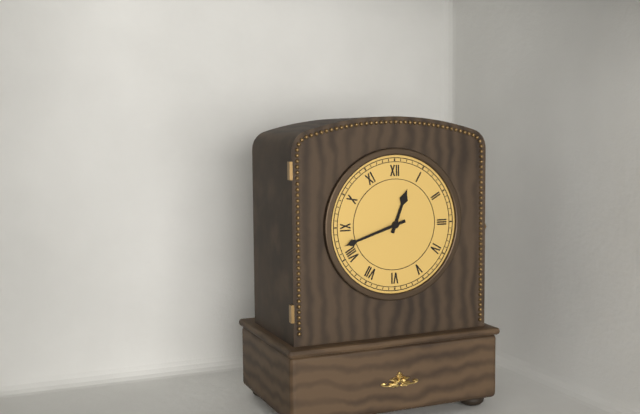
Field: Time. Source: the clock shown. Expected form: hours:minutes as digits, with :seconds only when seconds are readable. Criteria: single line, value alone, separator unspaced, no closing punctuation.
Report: 12:42
